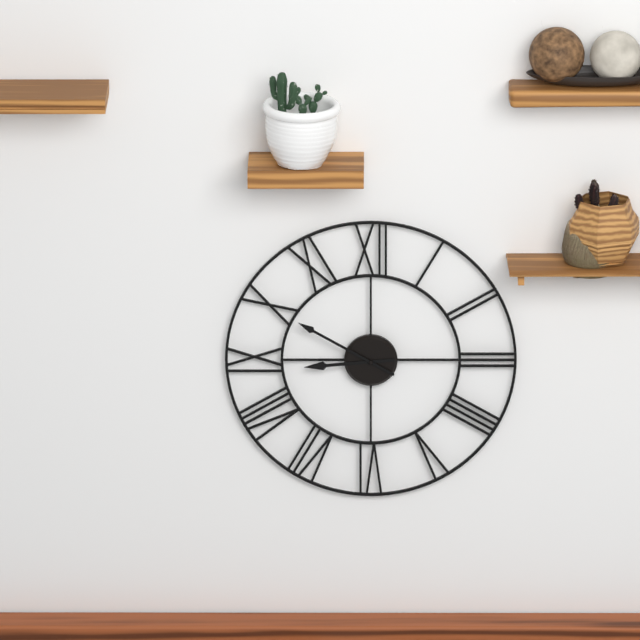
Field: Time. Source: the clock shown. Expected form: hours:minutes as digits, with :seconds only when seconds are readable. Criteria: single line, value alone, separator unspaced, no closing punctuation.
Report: 8:50
